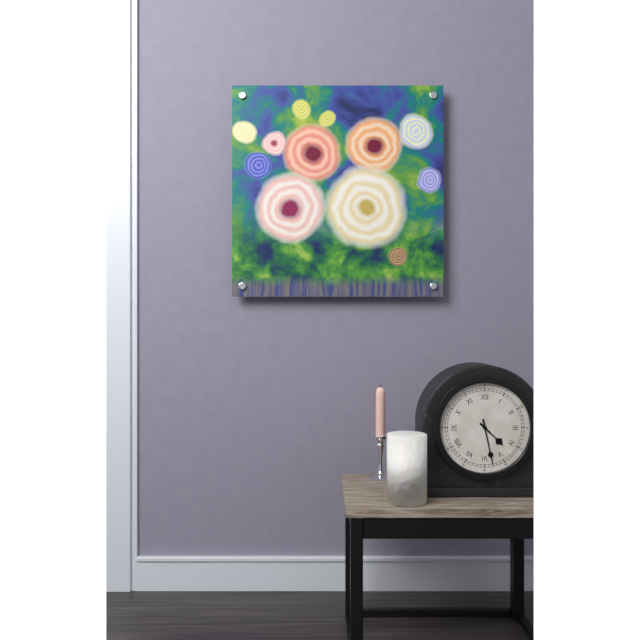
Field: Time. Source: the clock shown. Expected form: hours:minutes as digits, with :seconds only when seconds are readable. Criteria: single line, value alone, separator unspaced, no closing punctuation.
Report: 4:28
